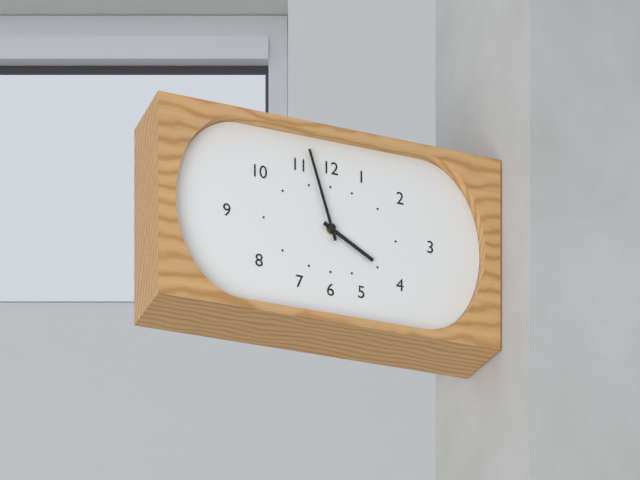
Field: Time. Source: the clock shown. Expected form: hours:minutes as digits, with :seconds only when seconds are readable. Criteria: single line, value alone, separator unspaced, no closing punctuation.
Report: 3:57
